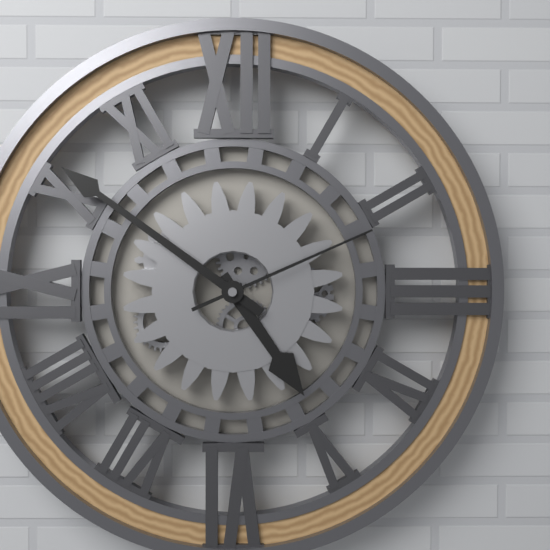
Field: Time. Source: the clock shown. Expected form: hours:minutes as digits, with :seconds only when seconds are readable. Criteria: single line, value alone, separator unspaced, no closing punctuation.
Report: 4:51:11
